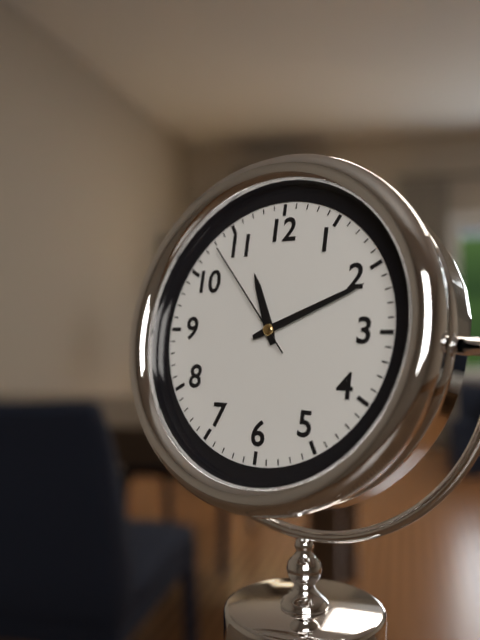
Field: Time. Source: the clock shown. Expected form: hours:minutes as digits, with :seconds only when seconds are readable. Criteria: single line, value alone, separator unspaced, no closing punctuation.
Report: 11:11:53
